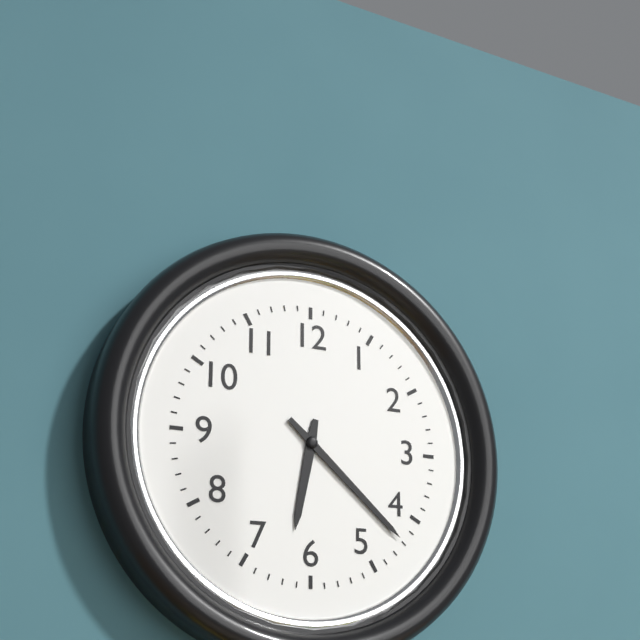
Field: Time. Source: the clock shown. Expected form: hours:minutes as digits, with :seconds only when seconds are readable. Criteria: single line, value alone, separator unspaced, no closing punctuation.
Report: 6:22
